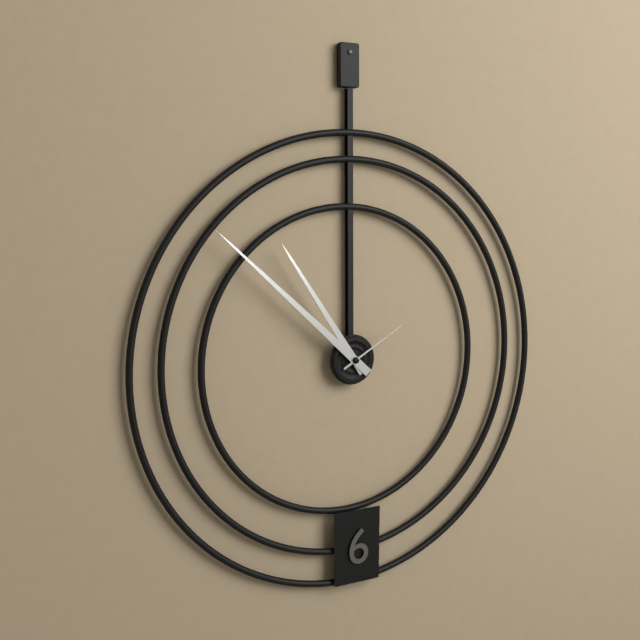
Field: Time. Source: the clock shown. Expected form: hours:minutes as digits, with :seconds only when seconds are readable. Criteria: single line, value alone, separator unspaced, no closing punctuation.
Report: 10:52:10
